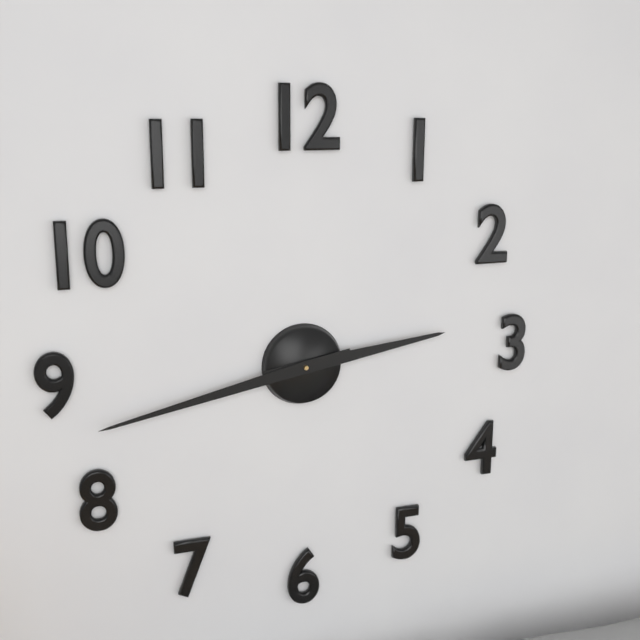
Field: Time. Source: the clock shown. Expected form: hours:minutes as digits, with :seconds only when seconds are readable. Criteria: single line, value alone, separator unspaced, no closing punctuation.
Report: 2:43
